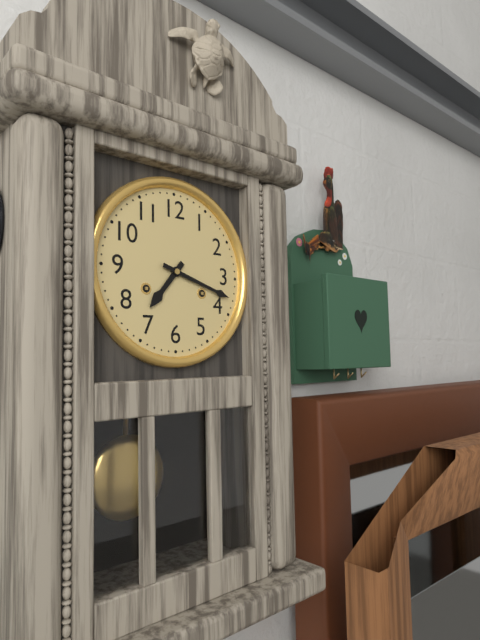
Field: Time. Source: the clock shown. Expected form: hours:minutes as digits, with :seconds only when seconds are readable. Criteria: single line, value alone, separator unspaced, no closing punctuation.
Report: 7:18
